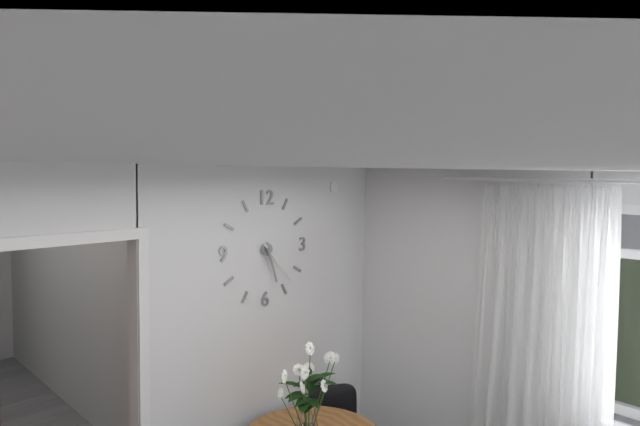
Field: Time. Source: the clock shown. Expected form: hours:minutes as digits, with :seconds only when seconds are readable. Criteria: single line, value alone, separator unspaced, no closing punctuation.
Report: 5:23
